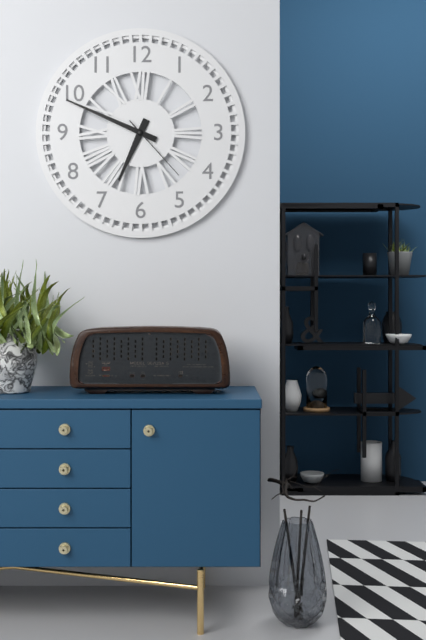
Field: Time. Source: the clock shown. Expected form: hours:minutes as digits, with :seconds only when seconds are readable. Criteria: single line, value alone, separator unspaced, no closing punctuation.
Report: 6:49:23
